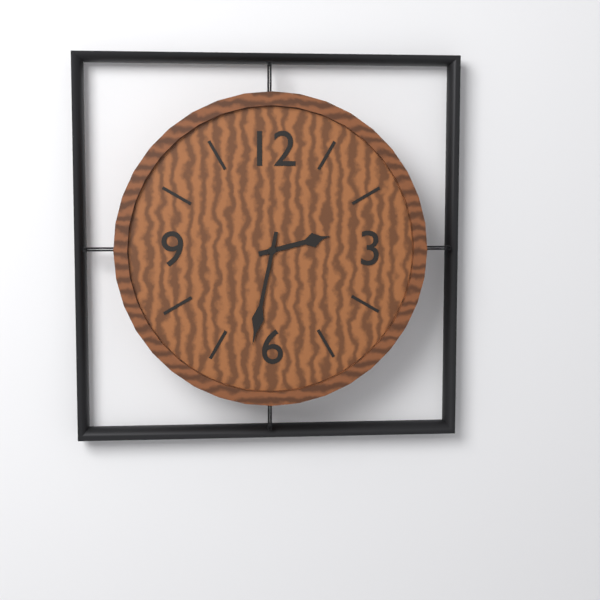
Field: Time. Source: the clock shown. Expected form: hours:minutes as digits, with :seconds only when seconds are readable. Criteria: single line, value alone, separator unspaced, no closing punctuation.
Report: 2:32
